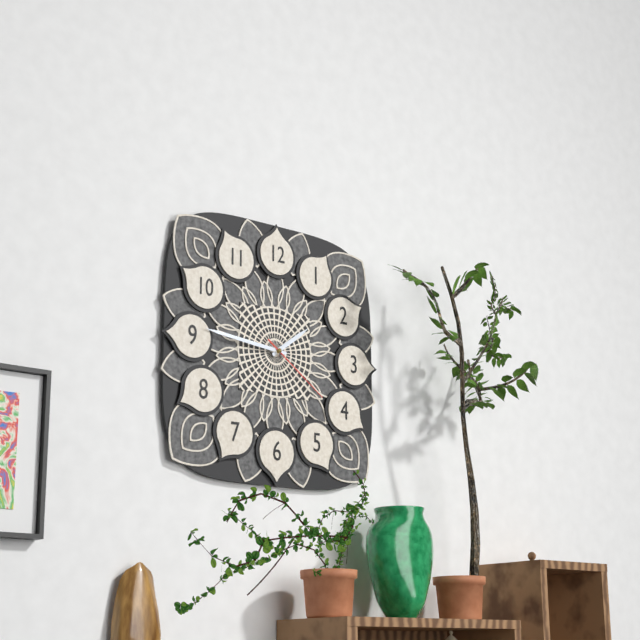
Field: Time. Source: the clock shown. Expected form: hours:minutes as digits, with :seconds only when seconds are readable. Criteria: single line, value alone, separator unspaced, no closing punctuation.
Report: 1:46:21
